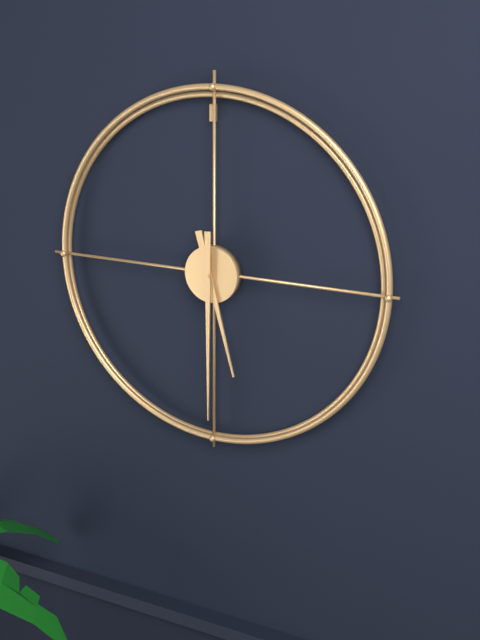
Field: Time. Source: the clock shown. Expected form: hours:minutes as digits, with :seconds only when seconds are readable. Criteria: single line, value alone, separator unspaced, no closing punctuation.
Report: 5:30
